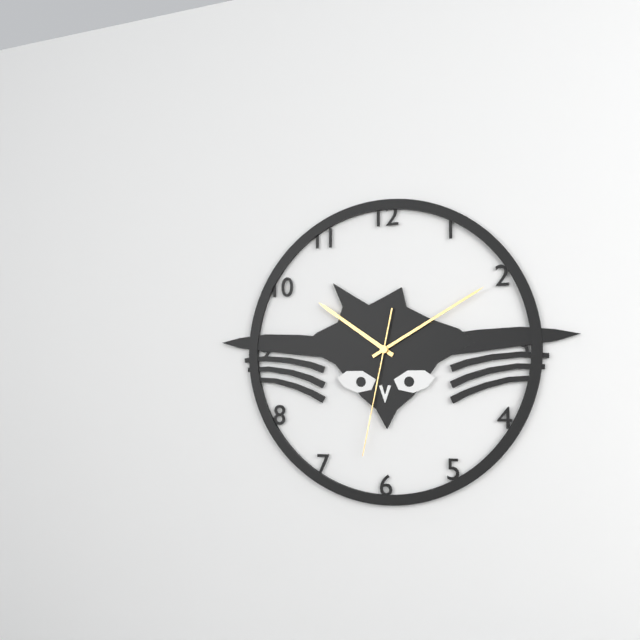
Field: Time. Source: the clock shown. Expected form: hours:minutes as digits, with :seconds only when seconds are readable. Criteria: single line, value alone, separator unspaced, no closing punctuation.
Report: 10:10:32
